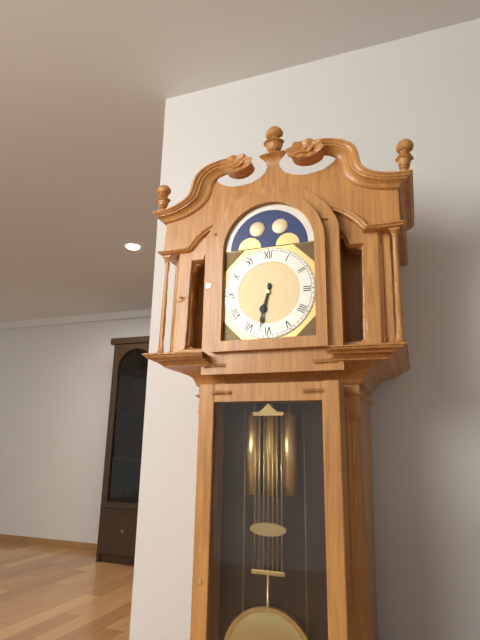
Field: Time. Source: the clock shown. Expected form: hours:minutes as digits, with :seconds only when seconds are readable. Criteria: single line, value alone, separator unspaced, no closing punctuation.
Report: 6:32
